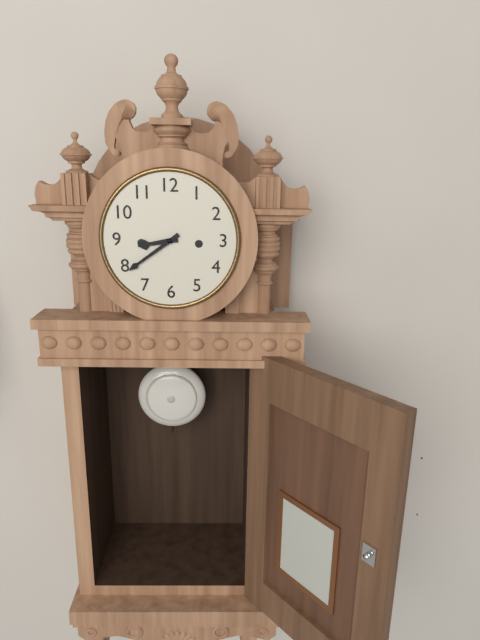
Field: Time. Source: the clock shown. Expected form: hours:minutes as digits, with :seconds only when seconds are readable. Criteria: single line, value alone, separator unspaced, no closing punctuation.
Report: 8:39
